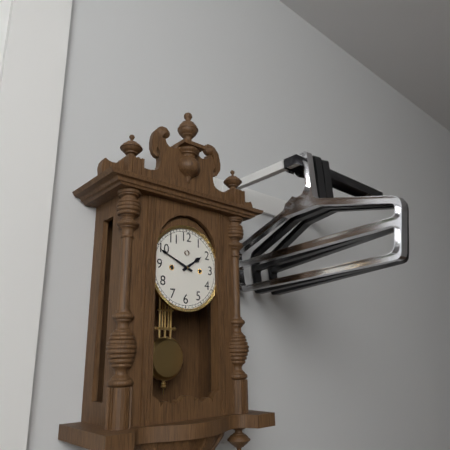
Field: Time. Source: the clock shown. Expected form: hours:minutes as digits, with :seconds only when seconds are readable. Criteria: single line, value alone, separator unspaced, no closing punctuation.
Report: 1:49
